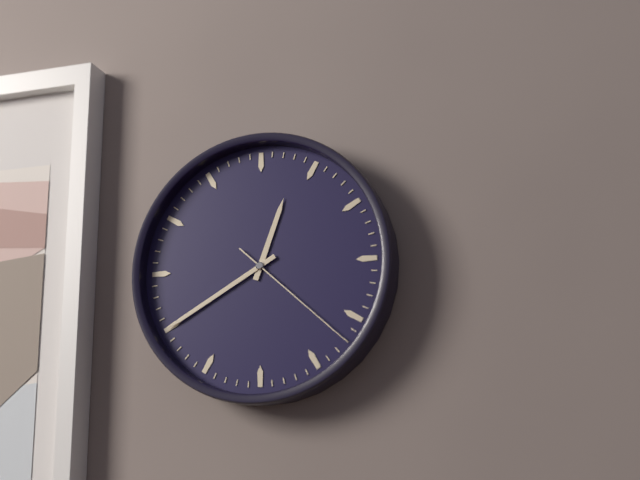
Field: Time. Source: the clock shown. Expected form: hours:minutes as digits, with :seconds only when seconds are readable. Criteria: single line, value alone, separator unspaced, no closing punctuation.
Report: 12:40:22
